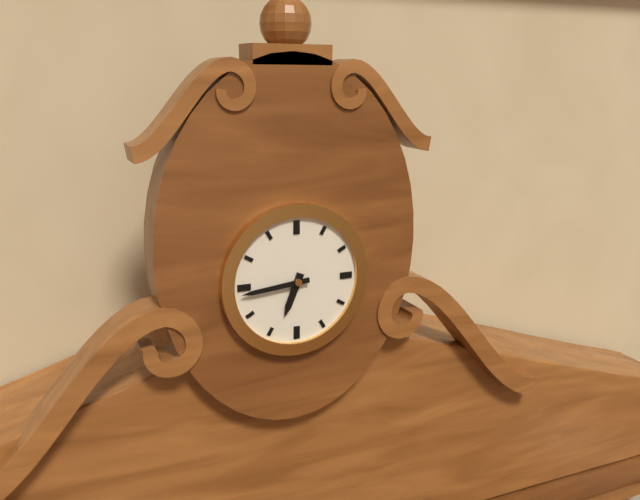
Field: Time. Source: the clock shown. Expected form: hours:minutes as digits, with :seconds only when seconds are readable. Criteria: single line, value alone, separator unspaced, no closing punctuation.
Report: 6:44
